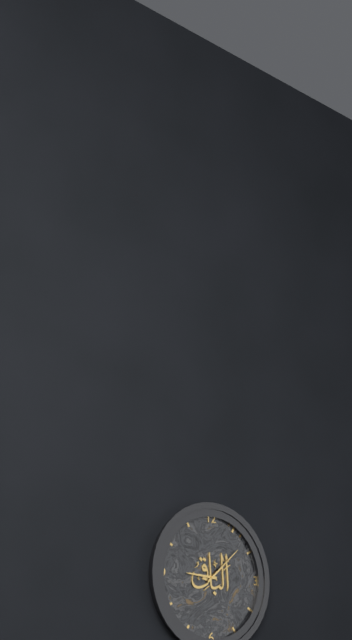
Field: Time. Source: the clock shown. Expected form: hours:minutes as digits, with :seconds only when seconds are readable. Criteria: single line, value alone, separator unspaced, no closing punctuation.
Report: 9:08
